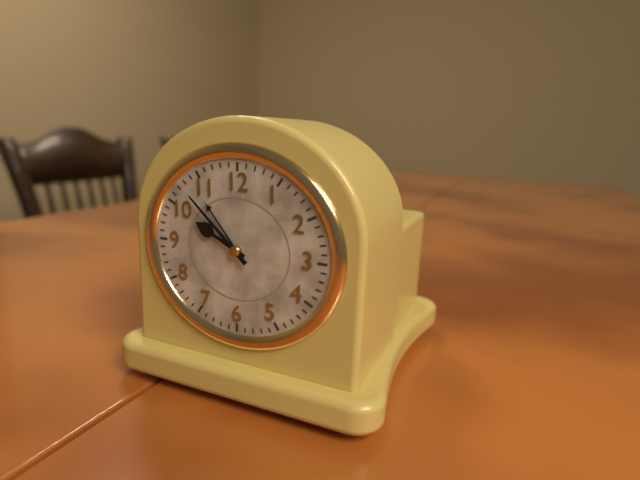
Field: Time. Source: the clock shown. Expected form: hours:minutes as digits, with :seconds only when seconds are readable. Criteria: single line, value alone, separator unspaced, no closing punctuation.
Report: 9:52
